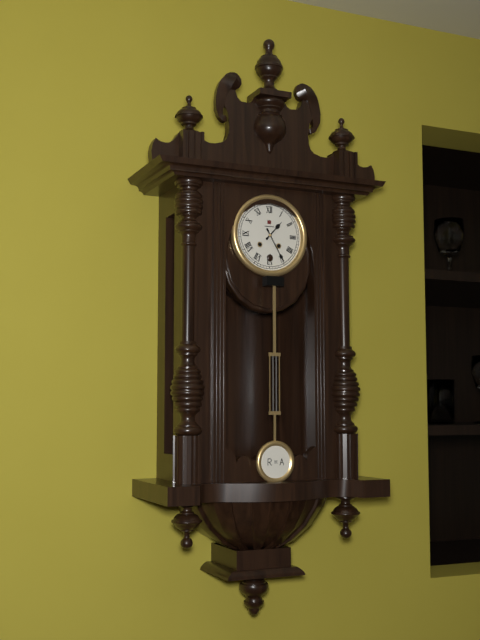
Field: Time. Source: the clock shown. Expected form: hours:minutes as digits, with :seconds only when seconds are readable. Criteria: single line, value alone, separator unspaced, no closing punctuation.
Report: 1:25
